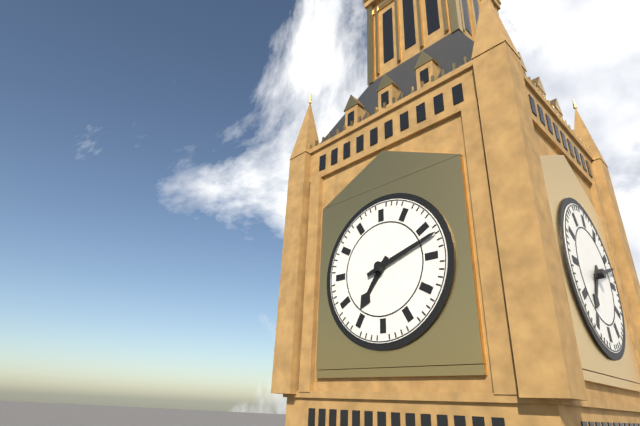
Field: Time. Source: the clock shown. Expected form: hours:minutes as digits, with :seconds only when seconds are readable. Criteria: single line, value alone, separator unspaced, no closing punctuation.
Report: 7:12
